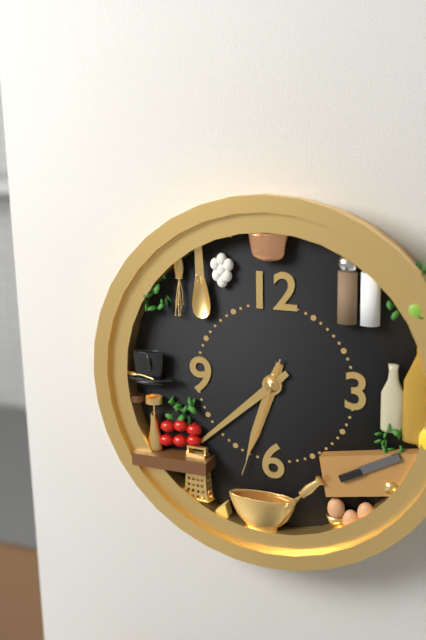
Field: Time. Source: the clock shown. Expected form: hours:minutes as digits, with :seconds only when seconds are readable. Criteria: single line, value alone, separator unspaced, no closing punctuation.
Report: 6:38:33
